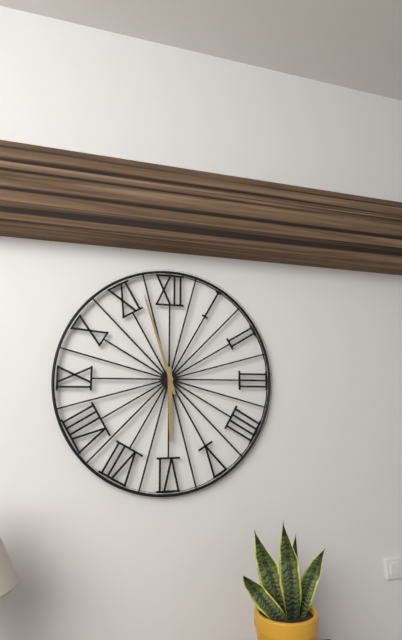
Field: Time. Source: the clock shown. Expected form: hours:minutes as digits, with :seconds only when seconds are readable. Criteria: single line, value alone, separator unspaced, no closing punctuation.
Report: 5:57
